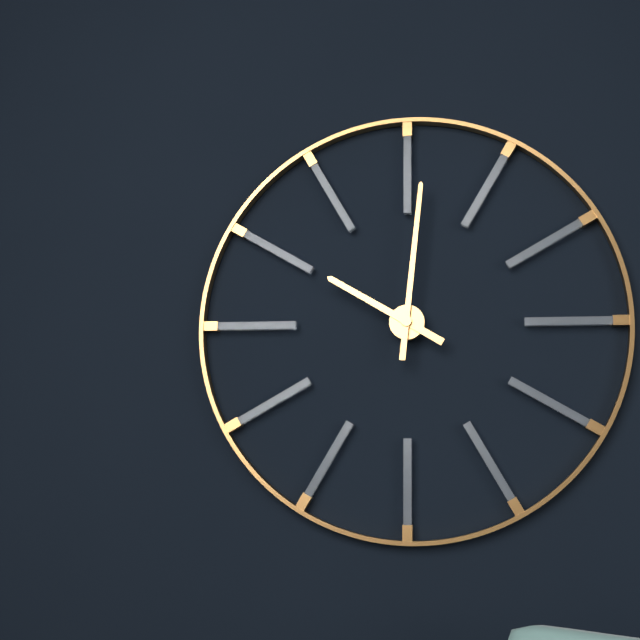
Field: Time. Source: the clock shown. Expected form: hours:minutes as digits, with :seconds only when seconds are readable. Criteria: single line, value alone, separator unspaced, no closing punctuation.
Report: 10:01
